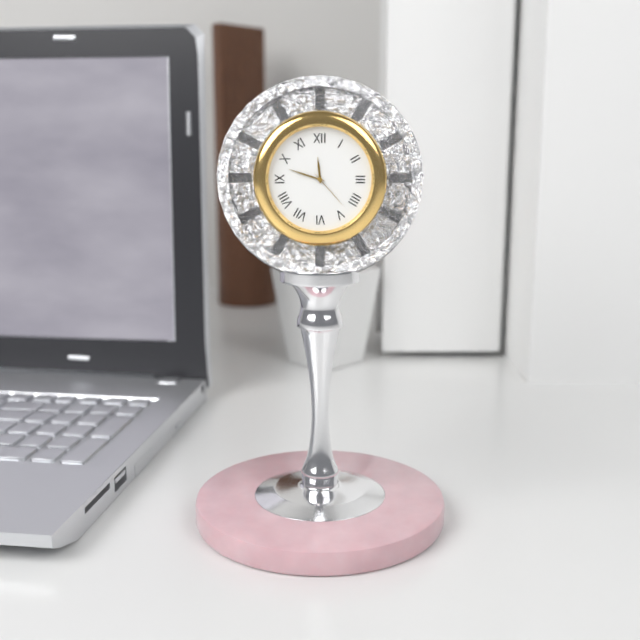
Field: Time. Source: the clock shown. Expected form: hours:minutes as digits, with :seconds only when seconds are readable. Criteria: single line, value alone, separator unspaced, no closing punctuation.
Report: 11:48
